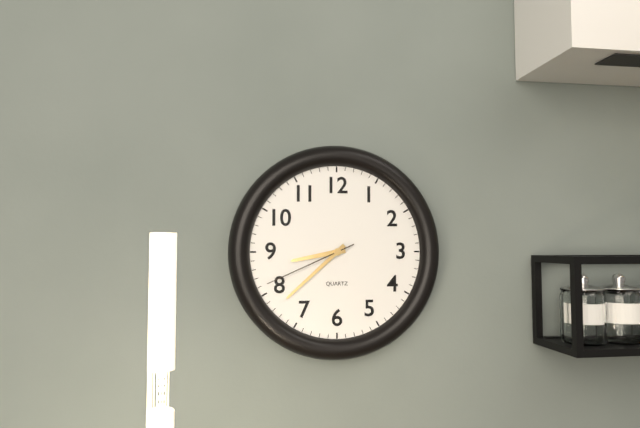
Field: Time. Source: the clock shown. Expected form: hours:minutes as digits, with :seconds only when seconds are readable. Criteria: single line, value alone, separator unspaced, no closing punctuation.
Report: 8:38:41
